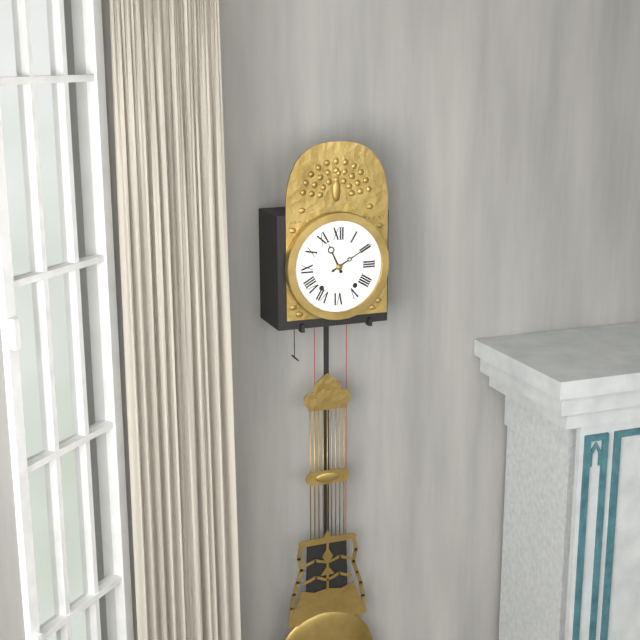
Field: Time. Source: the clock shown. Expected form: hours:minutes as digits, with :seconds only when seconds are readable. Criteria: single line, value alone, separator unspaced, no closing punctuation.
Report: 11:10
